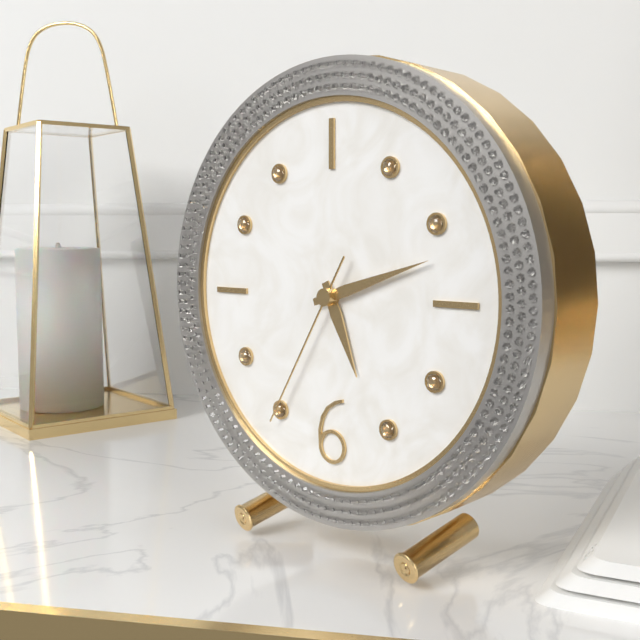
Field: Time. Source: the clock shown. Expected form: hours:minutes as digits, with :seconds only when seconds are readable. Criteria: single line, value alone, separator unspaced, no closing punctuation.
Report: 5:12:35
